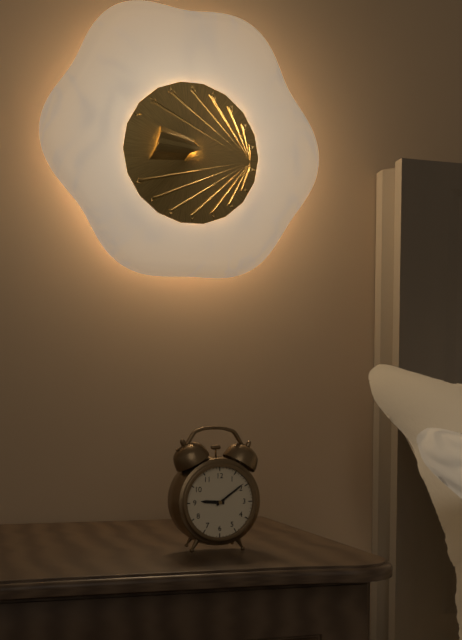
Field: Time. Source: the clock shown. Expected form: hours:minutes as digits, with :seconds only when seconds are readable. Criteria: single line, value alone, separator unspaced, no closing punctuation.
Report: 9:09
